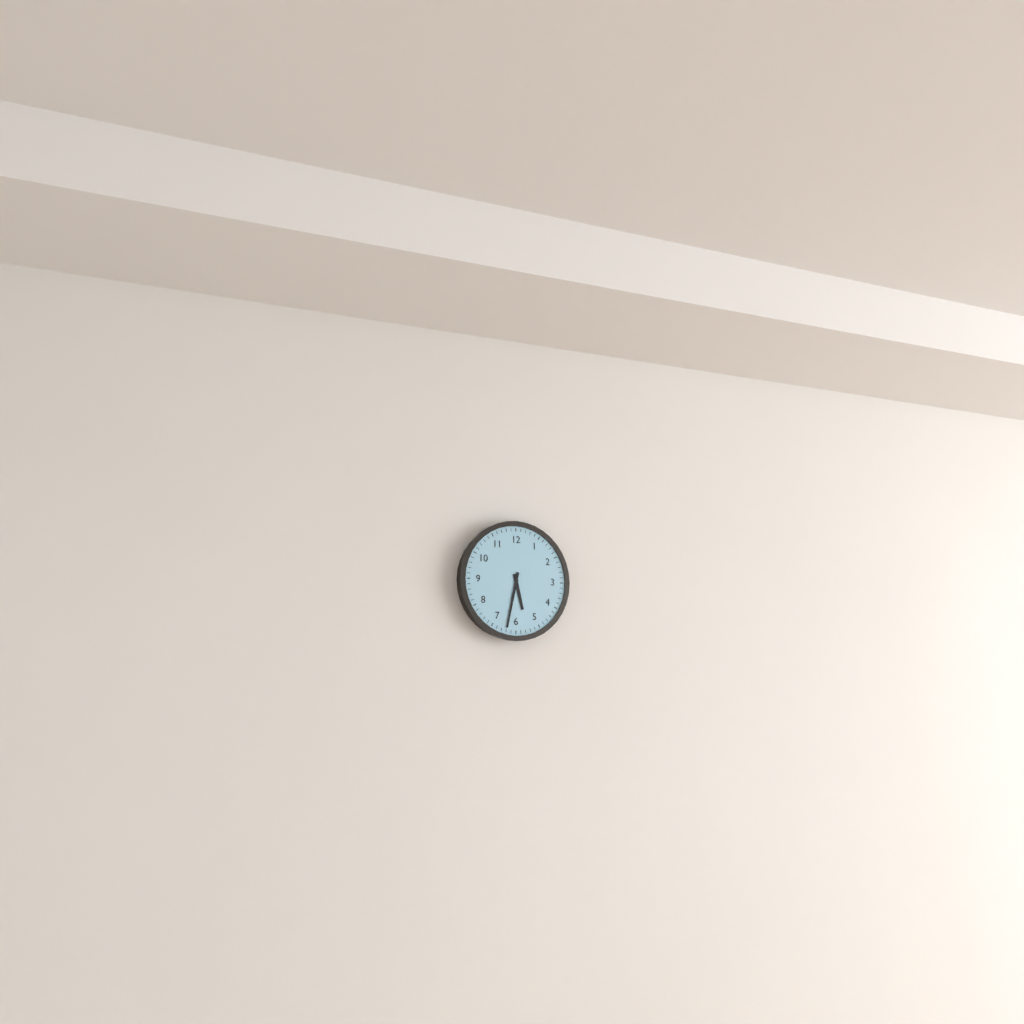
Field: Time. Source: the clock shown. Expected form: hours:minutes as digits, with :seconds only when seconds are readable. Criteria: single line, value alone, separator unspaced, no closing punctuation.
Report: 5:32
